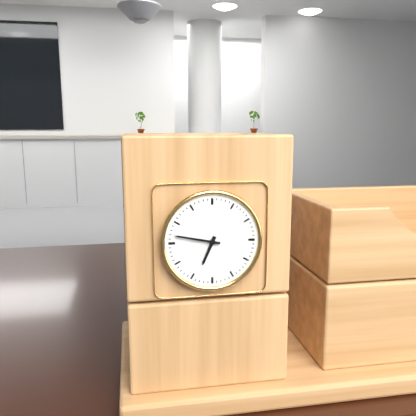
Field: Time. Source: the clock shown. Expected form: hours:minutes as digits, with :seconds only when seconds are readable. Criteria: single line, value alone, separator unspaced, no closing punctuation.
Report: 6:47
